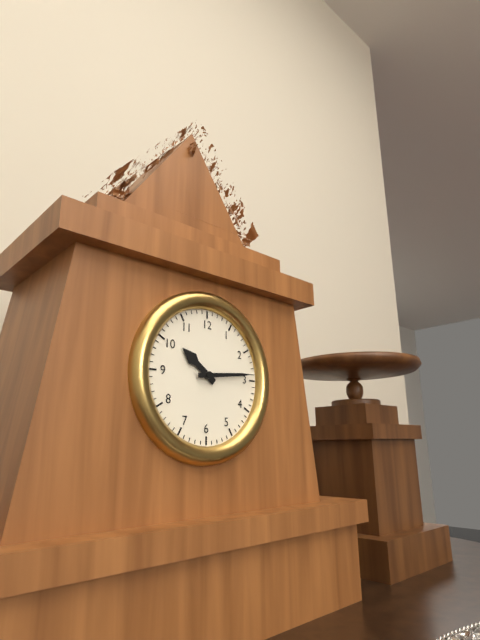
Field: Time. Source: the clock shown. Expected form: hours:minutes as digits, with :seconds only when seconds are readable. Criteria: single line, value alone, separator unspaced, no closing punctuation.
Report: 10:14
